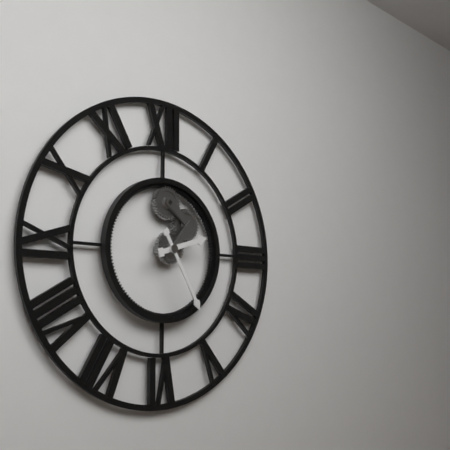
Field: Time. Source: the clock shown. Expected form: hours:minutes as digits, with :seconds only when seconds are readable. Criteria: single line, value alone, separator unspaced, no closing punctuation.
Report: 2:25
